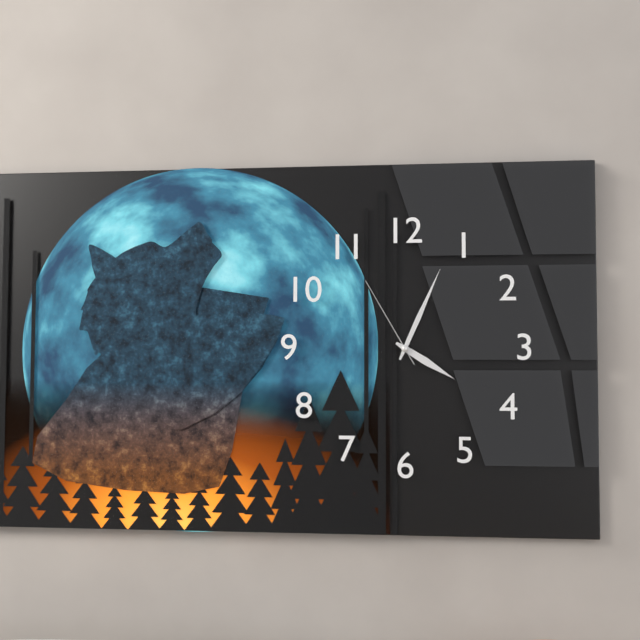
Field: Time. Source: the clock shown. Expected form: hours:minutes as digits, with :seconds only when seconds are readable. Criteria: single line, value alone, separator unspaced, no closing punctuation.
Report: 4:04:55
